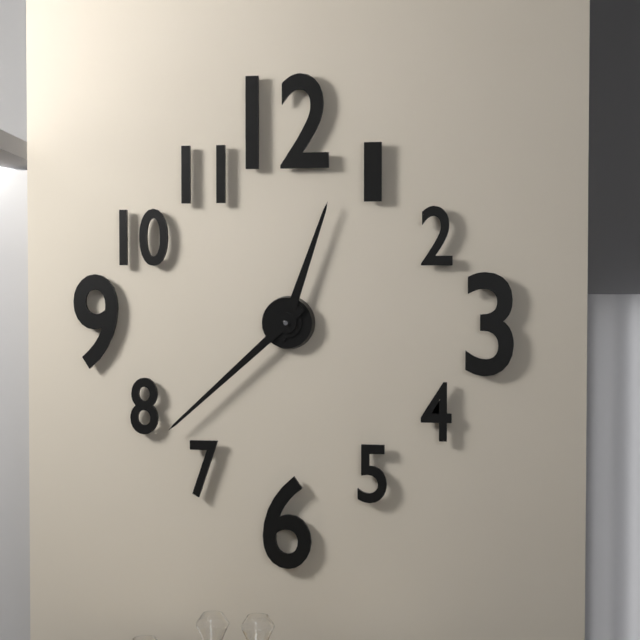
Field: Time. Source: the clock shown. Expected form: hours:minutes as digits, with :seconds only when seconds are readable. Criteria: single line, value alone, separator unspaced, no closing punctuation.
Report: 12:38
